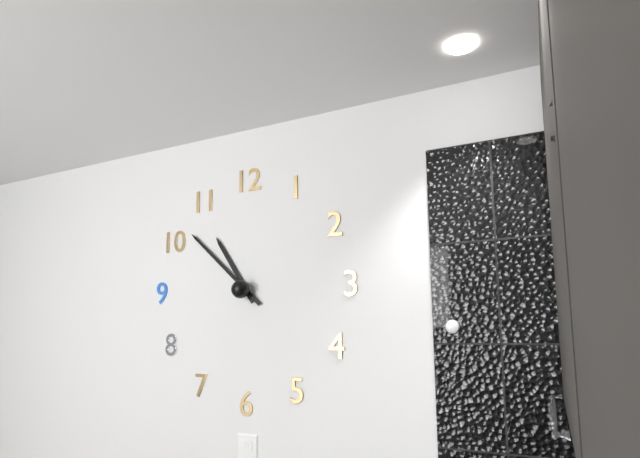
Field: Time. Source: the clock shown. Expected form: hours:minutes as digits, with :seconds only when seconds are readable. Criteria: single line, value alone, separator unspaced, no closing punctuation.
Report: 10:52
